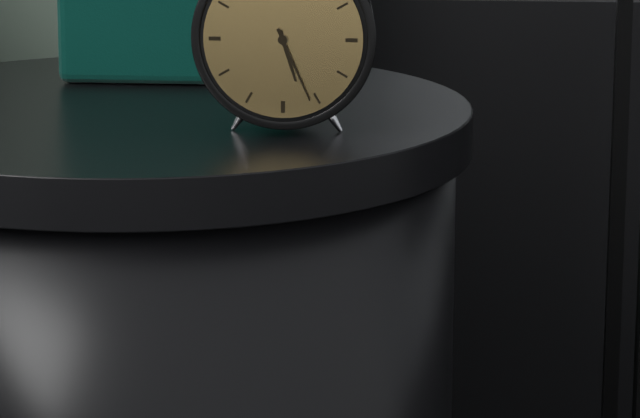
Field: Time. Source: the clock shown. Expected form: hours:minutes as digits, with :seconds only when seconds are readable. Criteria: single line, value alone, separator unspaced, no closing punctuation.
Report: 5:26
